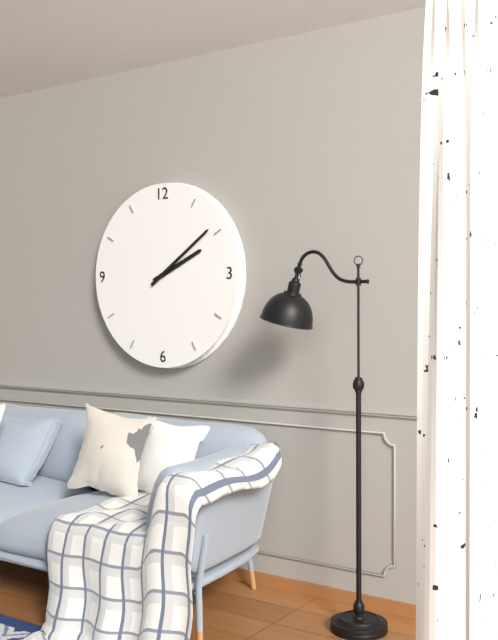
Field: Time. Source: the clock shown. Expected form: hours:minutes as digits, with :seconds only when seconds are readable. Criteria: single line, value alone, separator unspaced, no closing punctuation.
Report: 2:09
